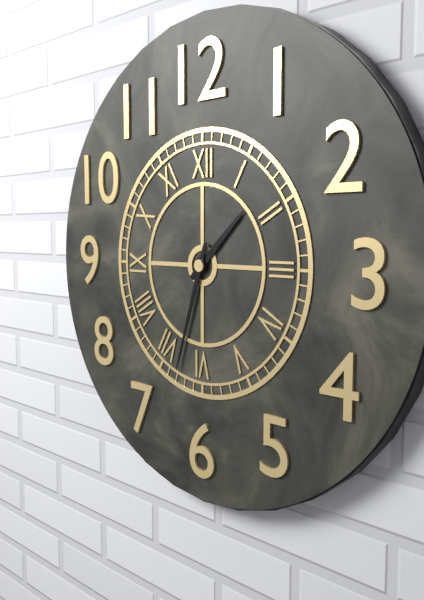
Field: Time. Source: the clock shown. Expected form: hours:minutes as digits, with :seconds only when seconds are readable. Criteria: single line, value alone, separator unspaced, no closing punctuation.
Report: 1:33
